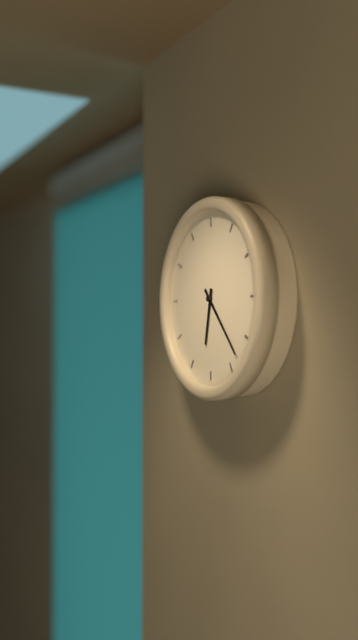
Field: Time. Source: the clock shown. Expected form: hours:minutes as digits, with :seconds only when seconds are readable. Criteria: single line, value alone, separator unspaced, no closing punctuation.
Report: 6:23
